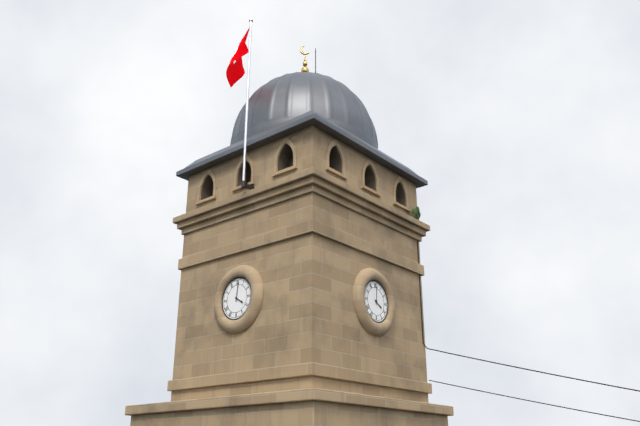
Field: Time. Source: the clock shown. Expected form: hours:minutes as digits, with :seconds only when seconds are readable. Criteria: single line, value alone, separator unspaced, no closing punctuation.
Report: 4:01
